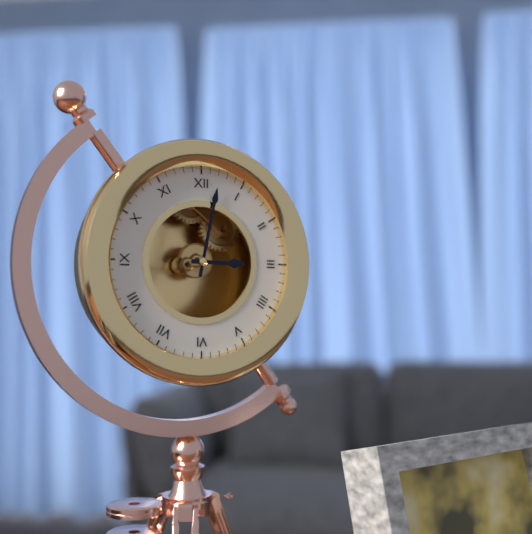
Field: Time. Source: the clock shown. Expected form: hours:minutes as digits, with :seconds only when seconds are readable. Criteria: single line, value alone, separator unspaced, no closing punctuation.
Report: 3:02
